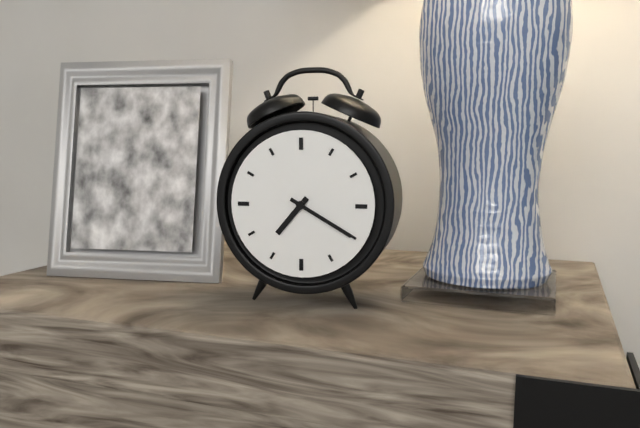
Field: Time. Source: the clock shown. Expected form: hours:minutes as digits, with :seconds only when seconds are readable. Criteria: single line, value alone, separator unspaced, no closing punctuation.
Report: 7:20
